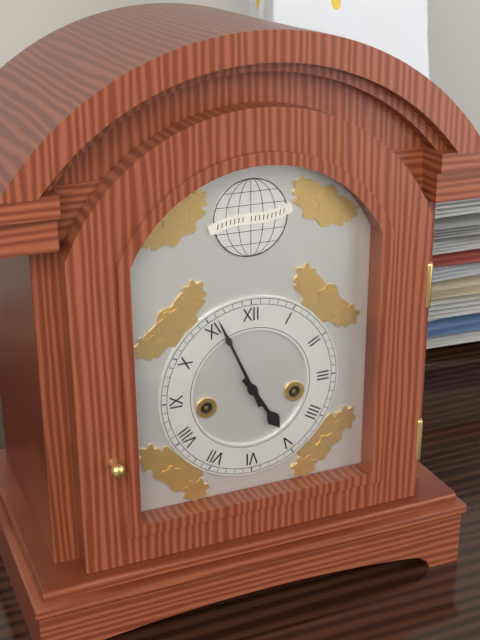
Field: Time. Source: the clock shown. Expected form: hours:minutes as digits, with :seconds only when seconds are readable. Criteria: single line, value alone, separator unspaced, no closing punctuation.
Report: 4:56
